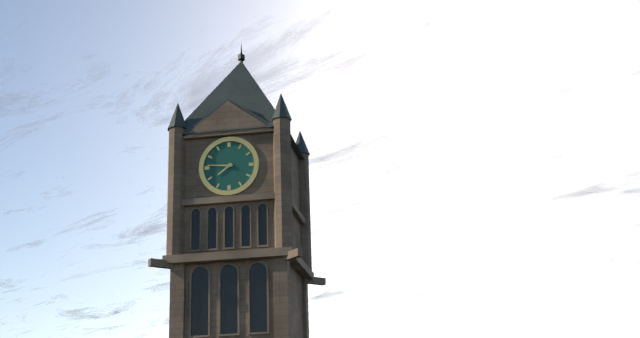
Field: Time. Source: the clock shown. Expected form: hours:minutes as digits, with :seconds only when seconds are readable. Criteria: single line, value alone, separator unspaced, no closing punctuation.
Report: 7:46
